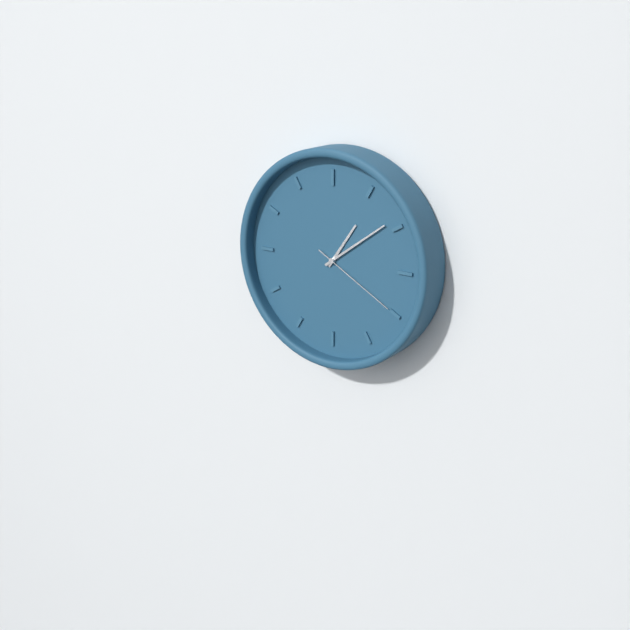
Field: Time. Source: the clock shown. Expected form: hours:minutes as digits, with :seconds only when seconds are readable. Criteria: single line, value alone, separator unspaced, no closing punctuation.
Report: 1:09:20
